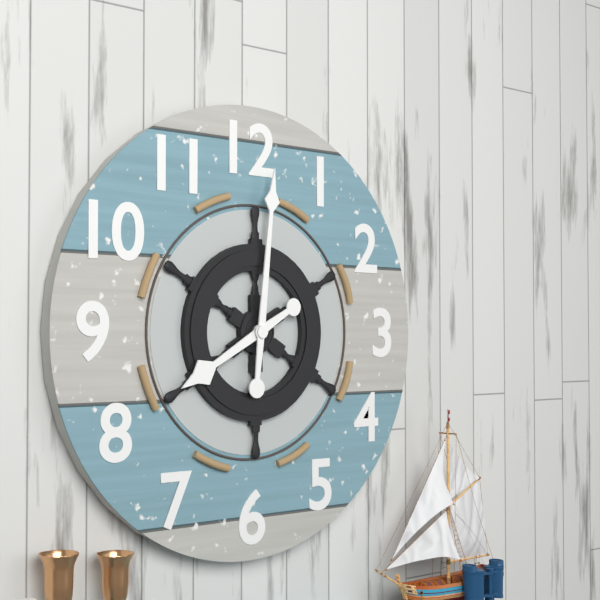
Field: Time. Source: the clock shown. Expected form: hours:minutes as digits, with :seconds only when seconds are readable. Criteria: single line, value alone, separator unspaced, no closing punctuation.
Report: 8:01
